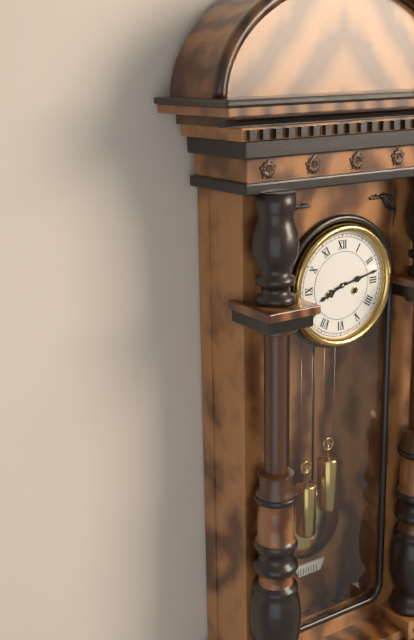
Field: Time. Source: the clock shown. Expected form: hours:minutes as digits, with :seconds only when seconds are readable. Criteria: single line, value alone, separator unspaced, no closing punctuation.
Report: 8:13
